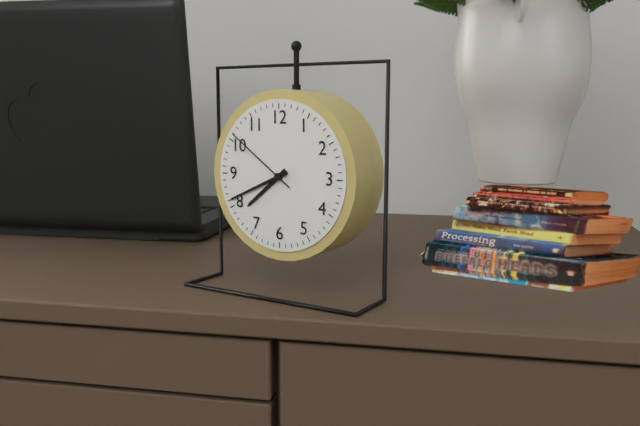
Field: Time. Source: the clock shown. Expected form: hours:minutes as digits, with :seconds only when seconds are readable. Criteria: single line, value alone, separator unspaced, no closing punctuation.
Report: 7:41:51
